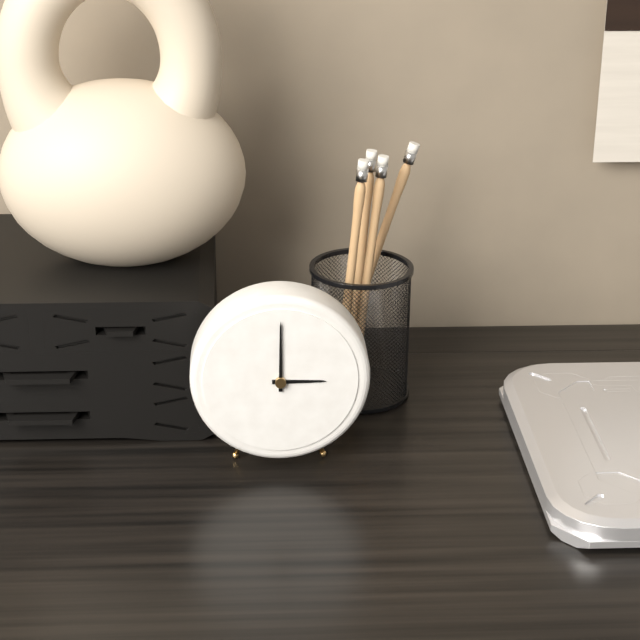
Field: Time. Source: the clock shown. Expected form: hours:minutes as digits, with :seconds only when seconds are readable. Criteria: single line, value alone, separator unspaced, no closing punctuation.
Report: 3:00
